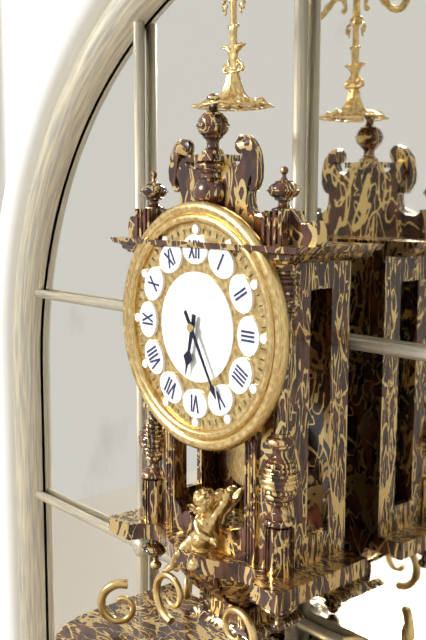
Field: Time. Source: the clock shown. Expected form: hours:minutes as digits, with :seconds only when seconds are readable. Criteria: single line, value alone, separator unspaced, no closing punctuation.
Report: 6:25
